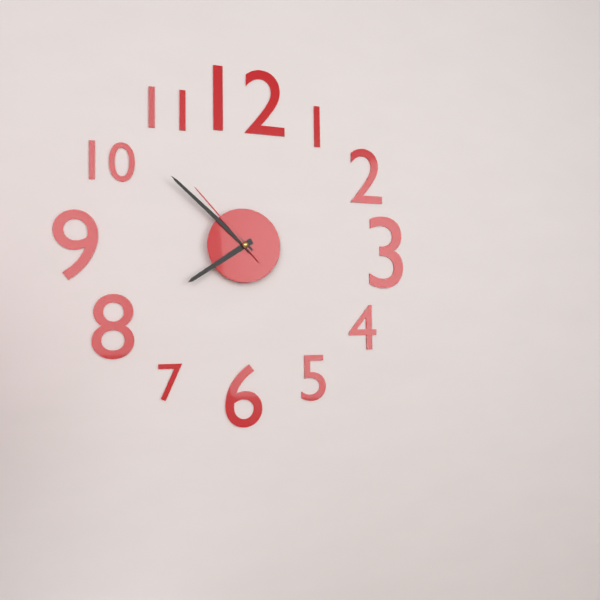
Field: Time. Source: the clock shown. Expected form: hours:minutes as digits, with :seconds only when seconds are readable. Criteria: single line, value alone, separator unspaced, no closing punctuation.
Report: 7:52:53
